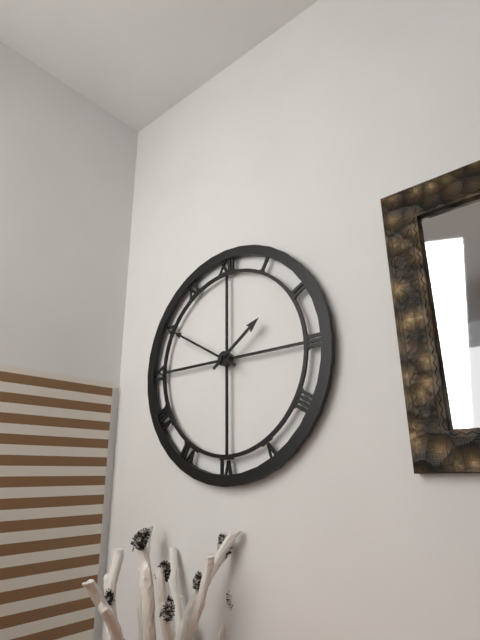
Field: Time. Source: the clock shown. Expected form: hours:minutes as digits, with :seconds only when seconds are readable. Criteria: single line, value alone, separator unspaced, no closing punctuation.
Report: 1:50
